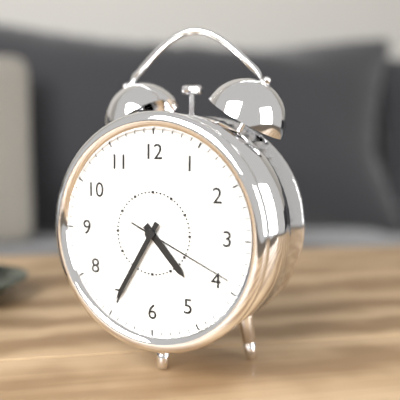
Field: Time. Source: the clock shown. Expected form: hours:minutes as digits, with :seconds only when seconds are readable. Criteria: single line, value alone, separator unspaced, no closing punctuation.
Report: 4:35:19
